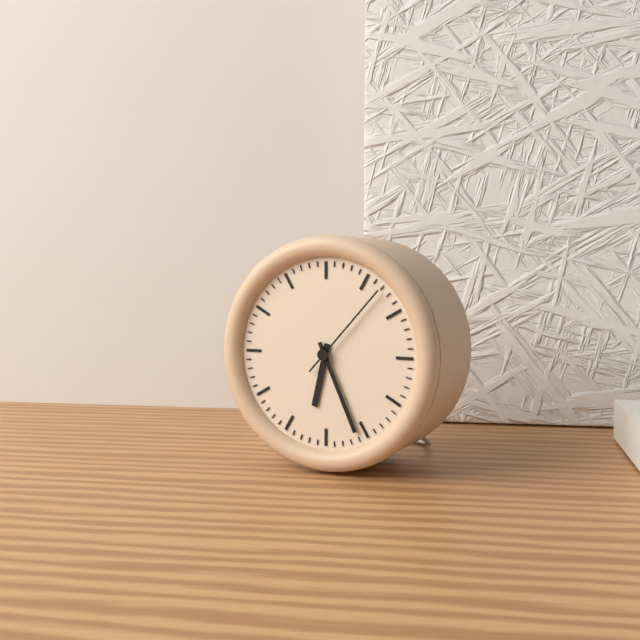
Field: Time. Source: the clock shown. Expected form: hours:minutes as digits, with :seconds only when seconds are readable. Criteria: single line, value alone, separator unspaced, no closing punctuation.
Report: 6:26:07
